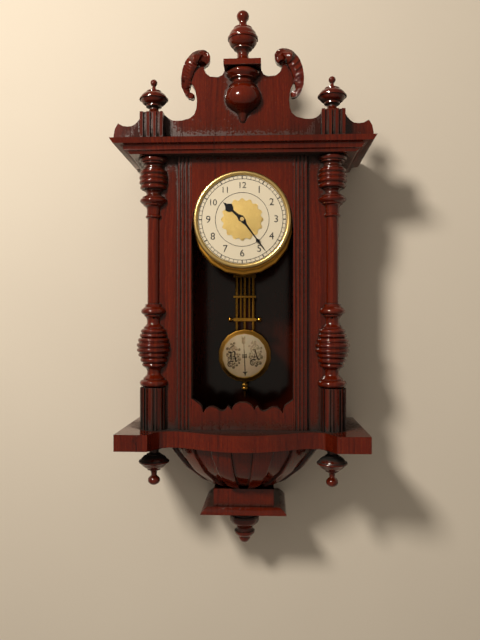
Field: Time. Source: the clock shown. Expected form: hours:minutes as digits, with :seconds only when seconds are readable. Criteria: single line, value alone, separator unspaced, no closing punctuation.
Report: 10:24
